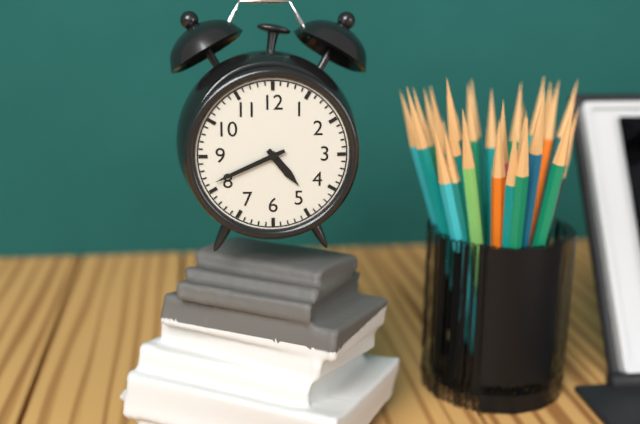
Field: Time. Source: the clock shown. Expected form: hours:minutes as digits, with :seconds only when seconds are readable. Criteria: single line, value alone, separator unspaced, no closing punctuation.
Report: 4:41
